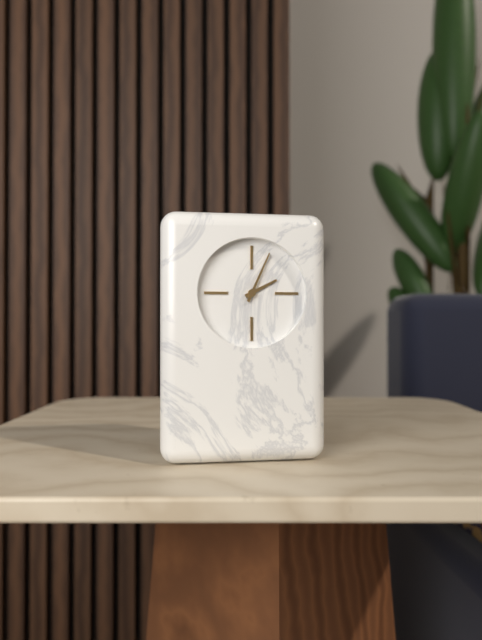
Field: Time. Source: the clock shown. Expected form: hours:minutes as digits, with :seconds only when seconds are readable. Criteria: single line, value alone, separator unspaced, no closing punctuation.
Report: 2:04
